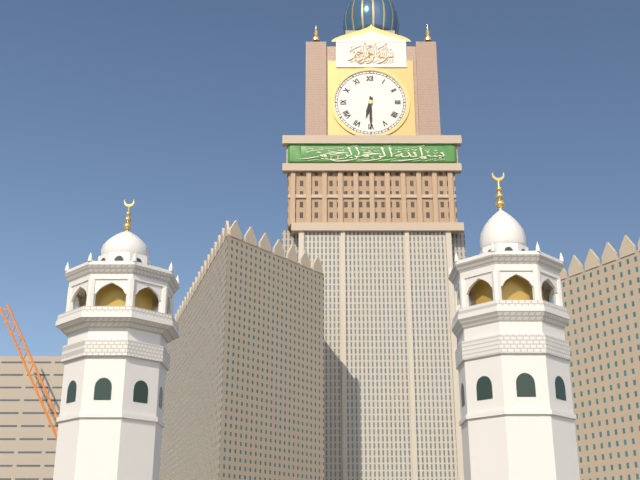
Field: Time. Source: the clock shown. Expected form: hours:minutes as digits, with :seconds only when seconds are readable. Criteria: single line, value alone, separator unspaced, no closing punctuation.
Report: 6:30
